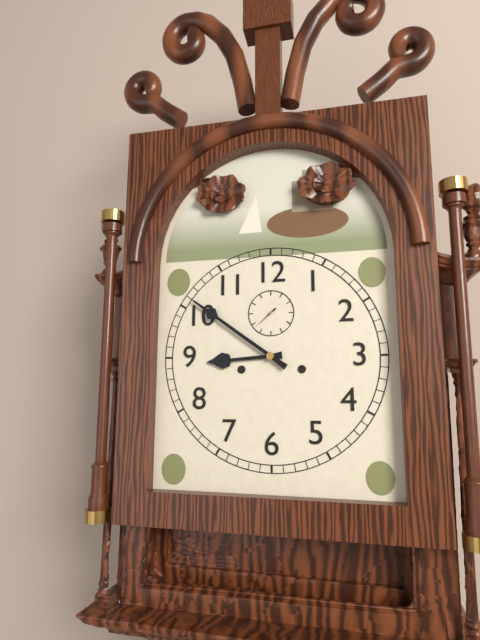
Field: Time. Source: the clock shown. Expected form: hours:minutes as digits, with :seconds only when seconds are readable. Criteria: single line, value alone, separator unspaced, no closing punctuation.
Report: 8:51
